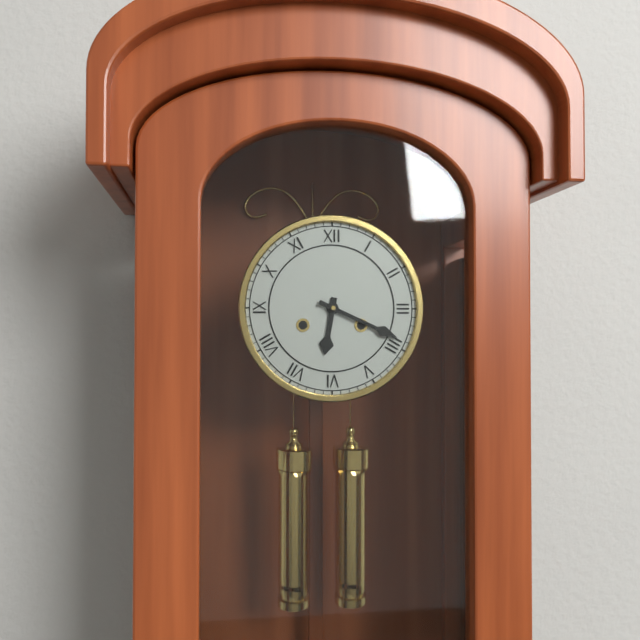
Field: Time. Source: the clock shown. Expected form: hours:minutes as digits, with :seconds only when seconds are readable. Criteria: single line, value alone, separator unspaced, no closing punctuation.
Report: 6:19
